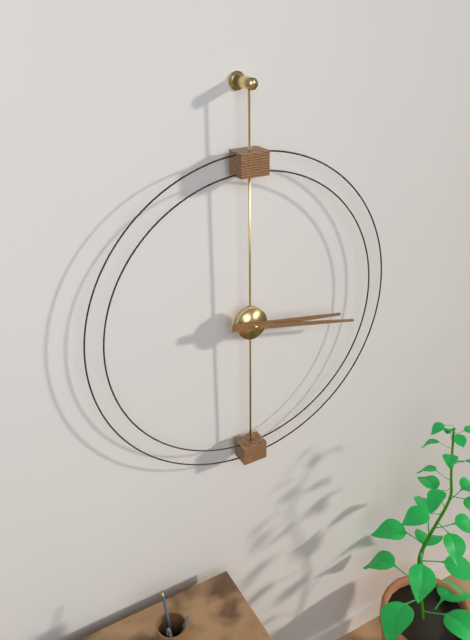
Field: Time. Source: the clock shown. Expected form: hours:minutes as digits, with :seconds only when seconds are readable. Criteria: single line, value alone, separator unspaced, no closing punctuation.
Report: 3:17
